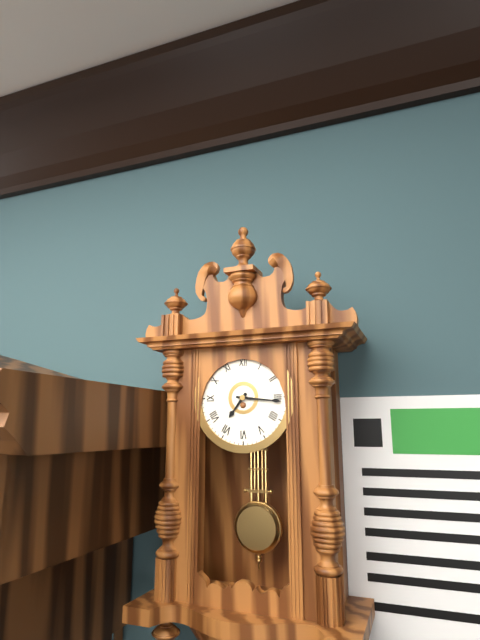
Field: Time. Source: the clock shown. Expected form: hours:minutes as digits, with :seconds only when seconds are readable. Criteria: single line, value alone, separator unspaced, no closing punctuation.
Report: 7:16
